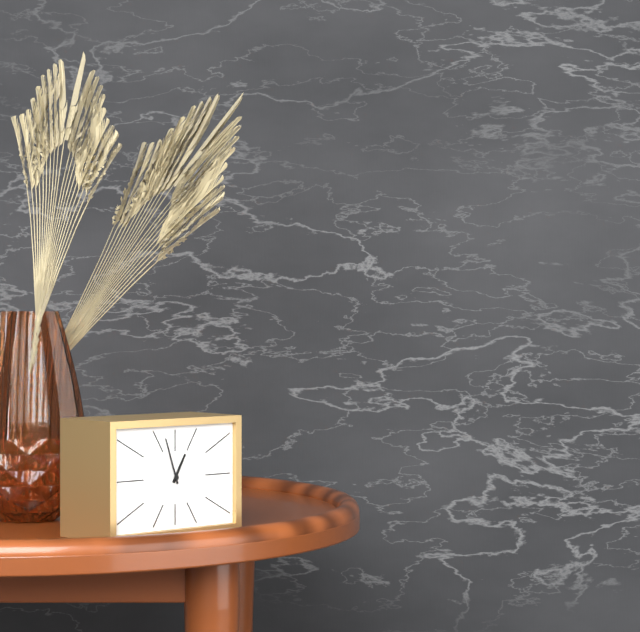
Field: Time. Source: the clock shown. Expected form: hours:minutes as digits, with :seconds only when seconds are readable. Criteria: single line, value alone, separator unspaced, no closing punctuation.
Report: 12:57
